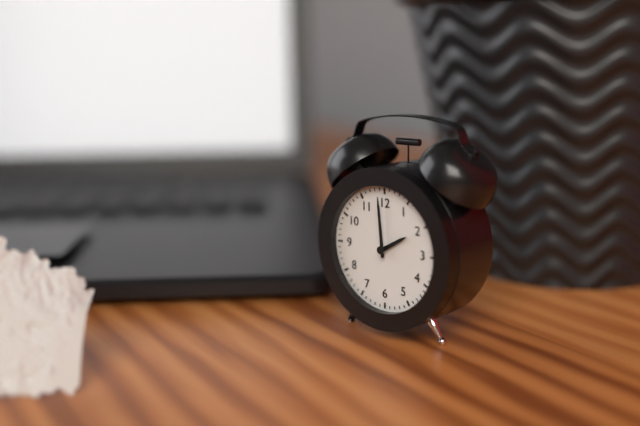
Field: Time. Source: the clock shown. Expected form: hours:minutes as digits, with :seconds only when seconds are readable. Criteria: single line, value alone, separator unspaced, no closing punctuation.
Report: 1:59
